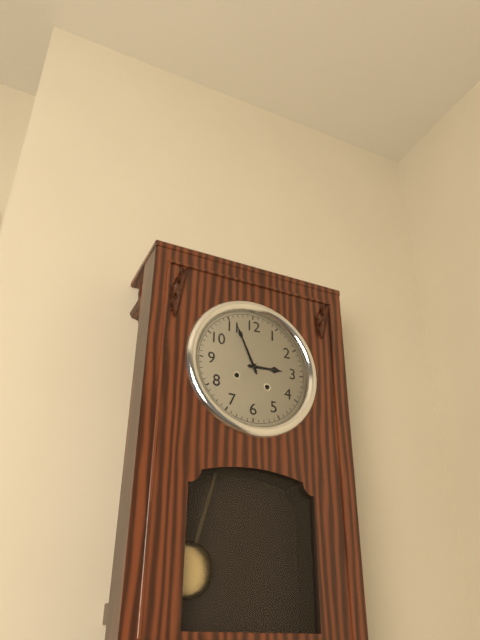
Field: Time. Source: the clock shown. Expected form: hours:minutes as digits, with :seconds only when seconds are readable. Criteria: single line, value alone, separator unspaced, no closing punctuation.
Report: 2:56
